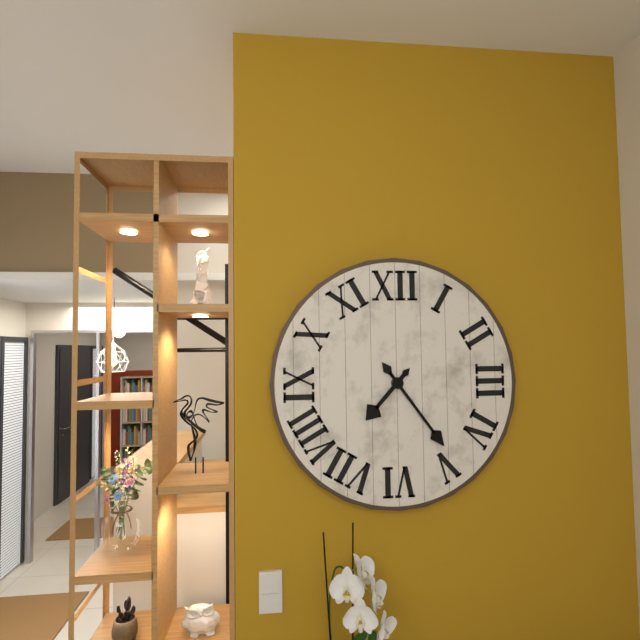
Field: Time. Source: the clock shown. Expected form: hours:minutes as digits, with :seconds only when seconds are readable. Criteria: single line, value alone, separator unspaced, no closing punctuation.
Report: 7:24
